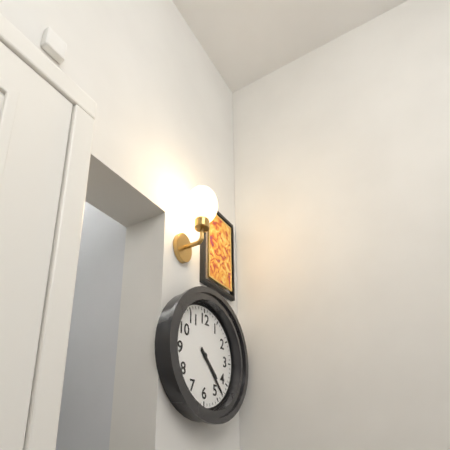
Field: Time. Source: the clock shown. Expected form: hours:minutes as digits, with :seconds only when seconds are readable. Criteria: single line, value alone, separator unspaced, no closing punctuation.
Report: 4:23
